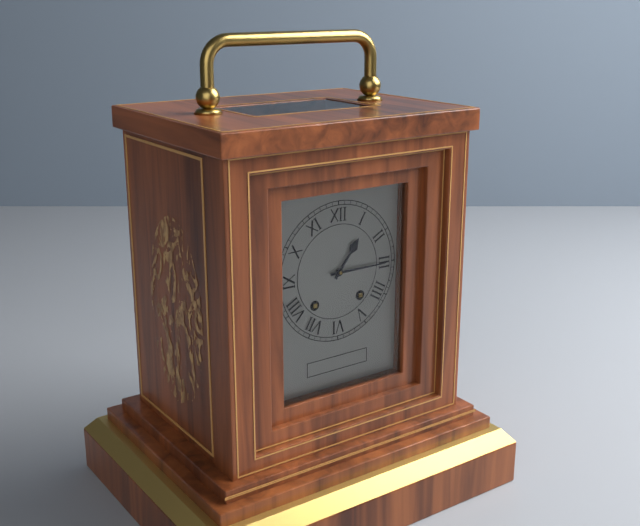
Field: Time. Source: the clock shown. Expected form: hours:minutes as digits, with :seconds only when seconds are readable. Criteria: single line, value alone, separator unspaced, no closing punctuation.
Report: 1:15
